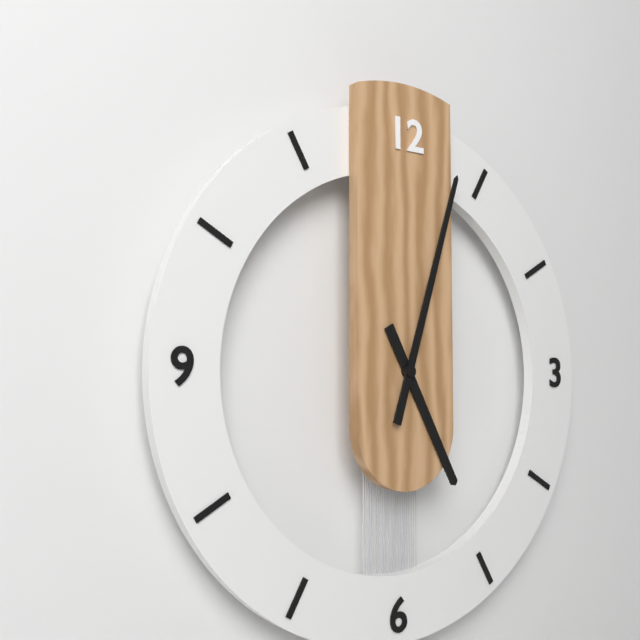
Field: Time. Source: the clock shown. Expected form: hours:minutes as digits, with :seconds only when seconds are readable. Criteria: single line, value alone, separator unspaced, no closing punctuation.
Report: 5:03
